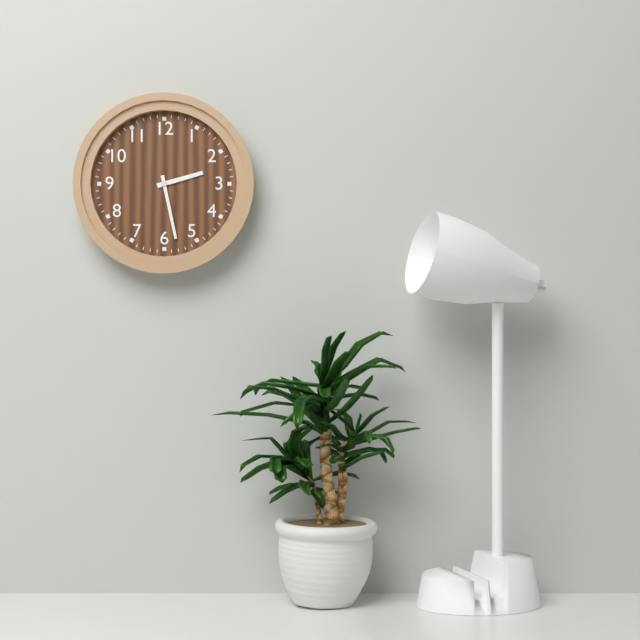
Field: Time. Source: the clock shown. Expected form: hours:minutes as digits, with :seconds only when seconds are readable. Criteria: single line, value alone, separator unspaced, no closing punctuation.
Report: 2:28
